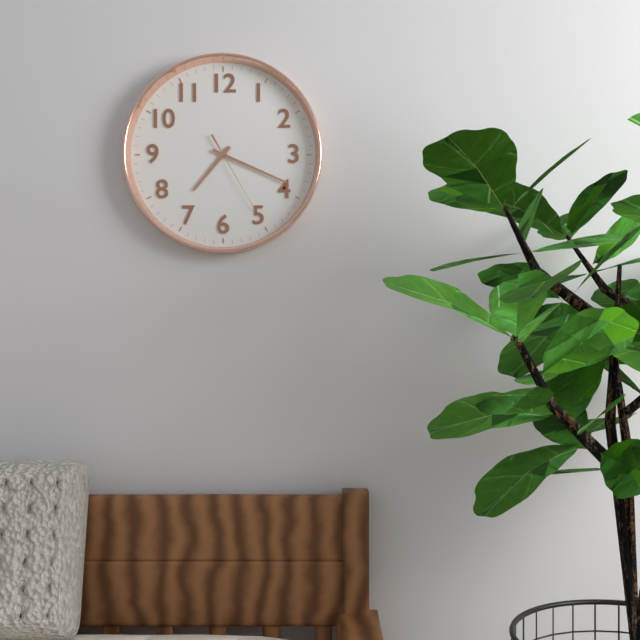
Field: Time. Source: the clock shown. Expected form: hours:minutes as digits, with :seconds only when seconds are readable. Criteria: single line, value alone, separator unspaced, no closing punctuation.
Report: 7:19:25
